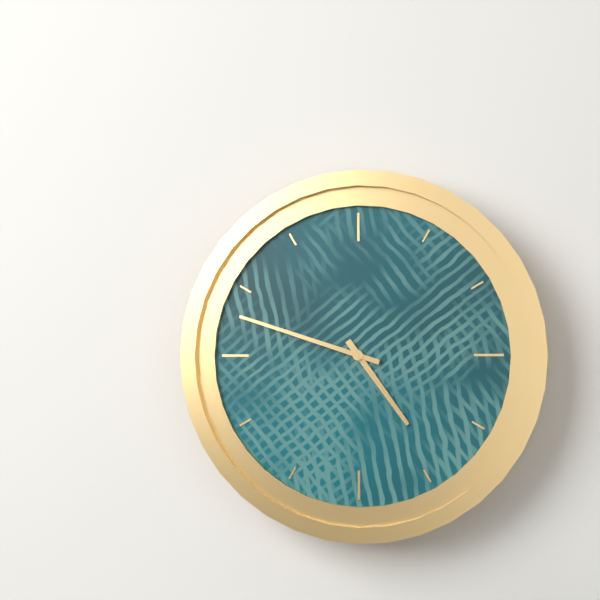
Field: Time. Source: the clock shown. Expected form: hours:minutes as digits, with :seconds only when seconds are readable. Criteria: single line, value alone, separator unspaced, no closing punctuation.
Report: 4:48
